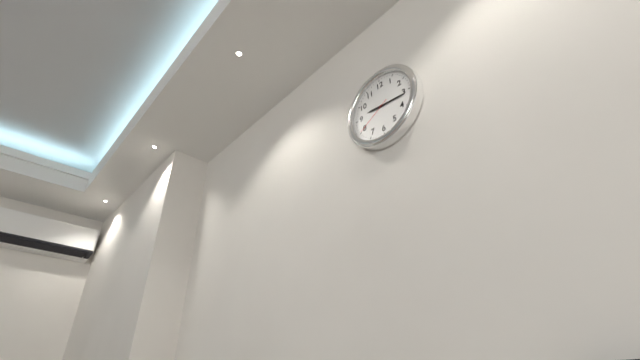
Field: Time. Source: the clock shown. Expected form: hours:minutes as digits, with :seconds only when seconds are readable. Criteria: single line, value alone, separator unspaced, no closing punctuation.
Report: 9:16
